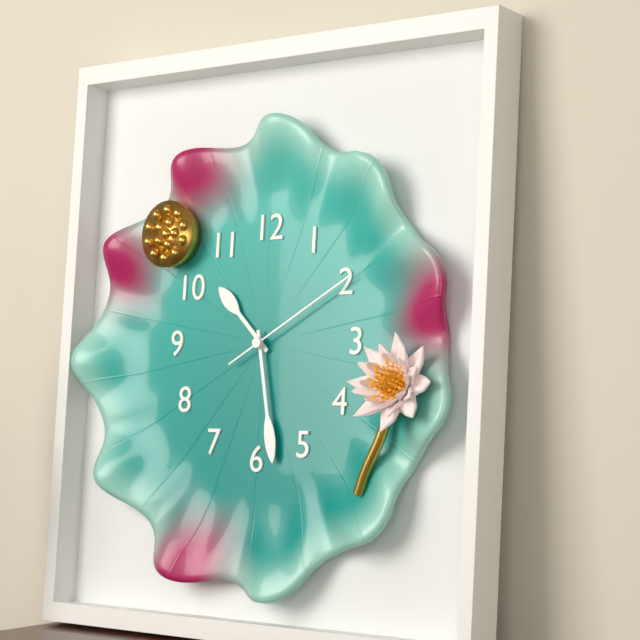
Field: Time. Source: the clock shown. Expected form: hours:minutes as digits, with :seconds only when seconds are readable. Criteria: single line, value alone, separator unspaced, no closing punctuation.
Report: 10:28:10
